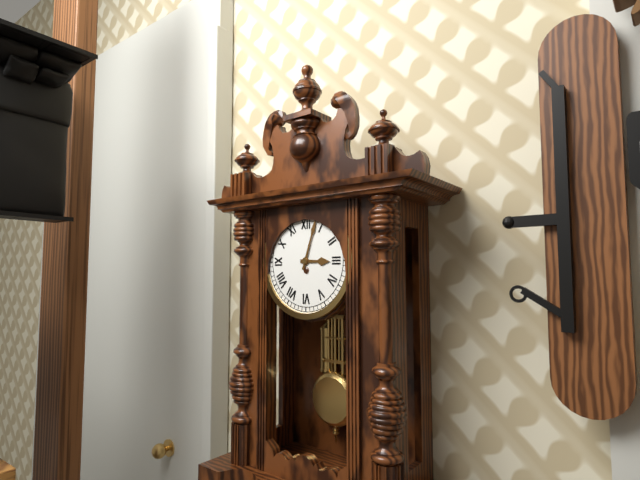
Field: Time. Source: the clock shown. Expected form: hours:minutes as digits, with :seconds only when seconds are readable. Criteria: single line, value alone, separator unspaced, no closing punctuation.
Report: 3:03
